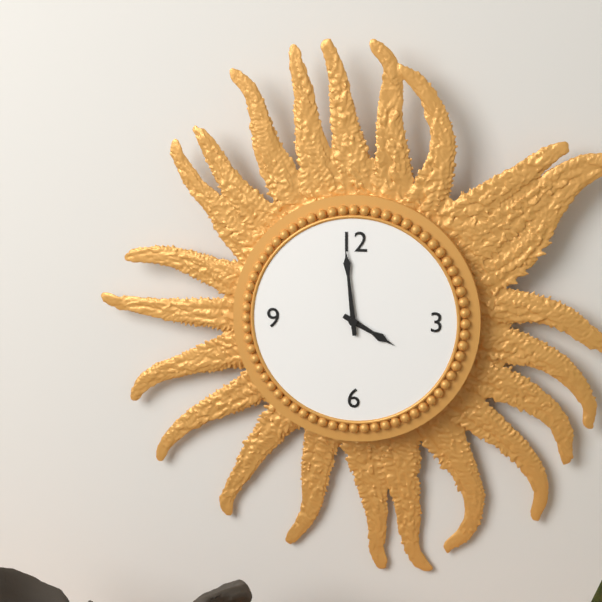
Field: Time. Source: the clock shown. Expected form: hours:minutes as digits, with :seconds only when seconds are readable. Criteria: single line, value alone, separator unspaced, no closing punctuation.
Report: 3:59
